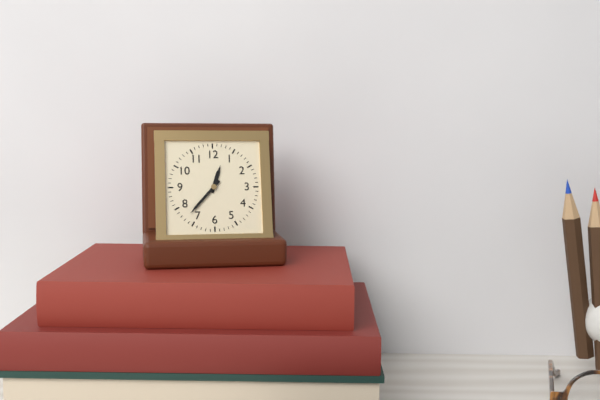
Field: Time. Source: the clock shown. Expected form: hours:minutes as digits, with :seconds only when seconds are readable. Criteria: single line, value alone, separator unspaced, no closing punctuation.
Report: 12:37
